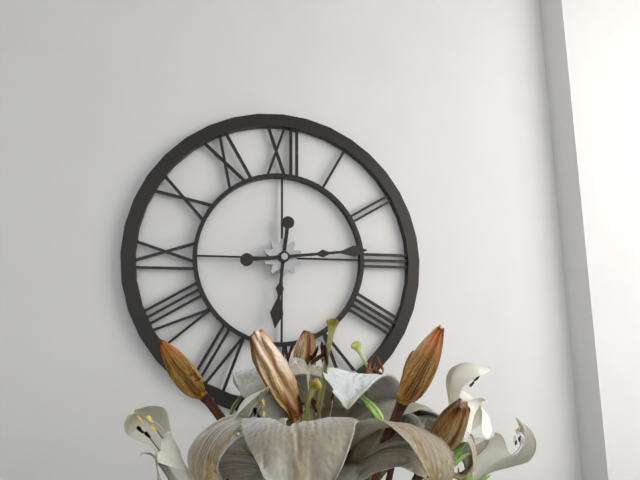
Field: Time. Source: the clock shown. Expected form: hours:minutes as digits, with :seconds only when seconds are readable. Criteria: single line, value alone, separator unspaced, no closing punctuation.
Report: 6:14
